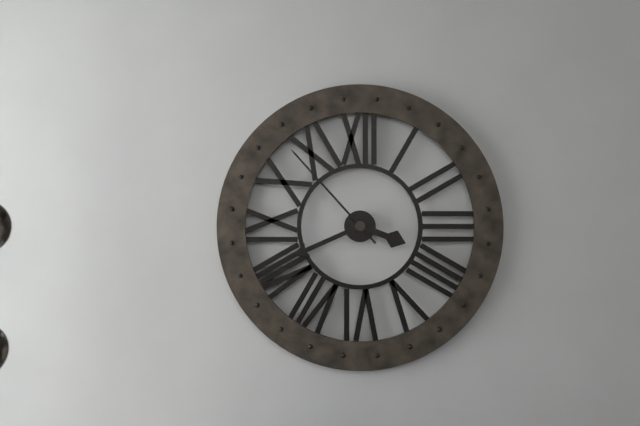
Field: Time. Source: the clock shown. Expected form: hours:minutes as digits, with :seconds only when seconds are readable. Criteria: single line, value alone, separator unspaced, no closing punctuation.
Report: 3:41:53
